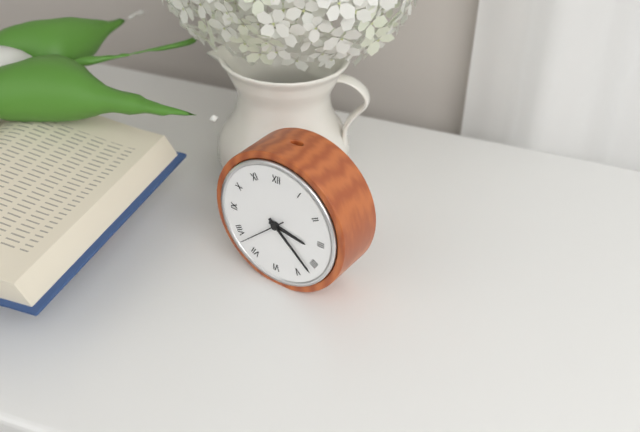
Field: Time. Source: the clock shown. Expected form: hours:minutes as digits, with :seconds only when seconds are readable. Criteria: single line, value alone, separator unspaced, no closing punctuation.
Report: 3:22
